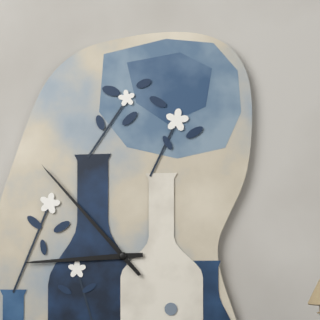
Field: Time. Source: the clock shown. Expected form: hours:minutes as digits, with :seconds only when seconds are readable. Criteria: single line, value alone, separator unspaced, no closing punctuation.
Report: 8:53
